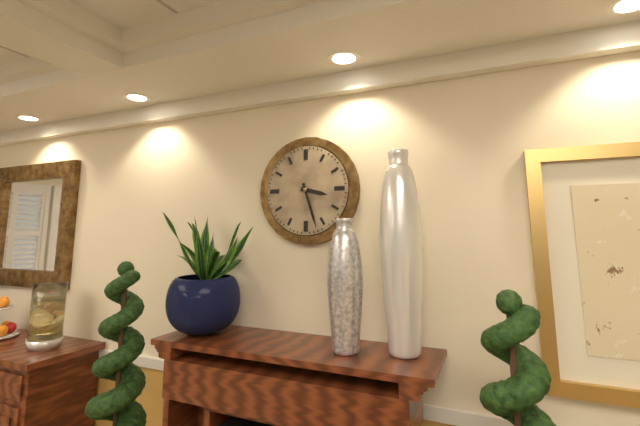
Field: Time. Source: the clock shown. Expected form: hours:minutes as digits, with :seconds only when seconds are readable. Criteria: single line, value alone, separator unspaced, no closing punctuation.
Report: 3:27
